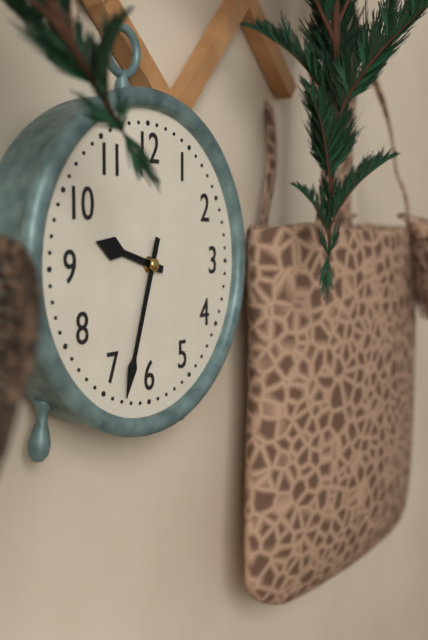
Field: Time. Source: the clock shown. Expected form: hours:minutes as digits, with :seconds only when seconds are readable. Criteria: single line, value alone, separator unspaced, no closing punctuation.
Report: 9:33
